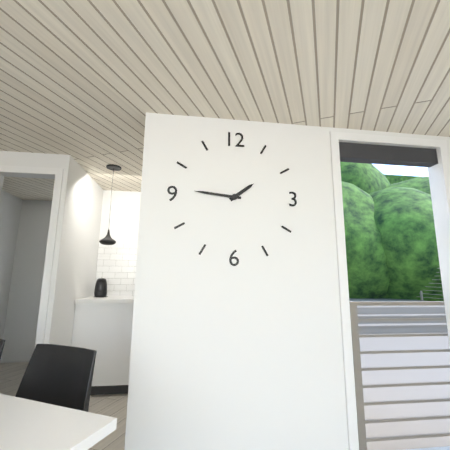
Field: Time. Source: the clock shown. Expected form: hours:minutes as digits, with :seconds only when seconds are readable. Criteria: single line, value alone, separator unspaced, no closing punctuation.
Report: 1:46
